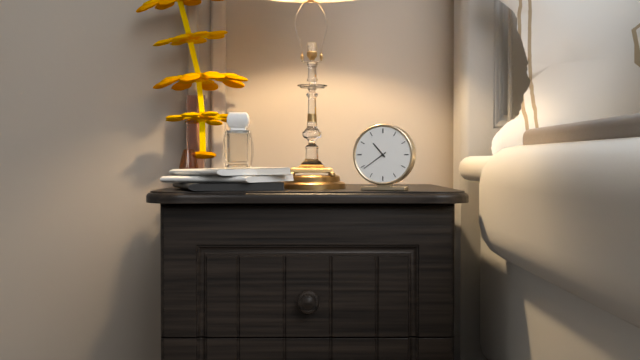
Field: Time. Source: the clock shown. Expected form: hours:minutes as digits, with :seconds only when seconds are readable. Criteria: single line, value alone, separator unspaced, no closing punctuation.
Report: 10:39
